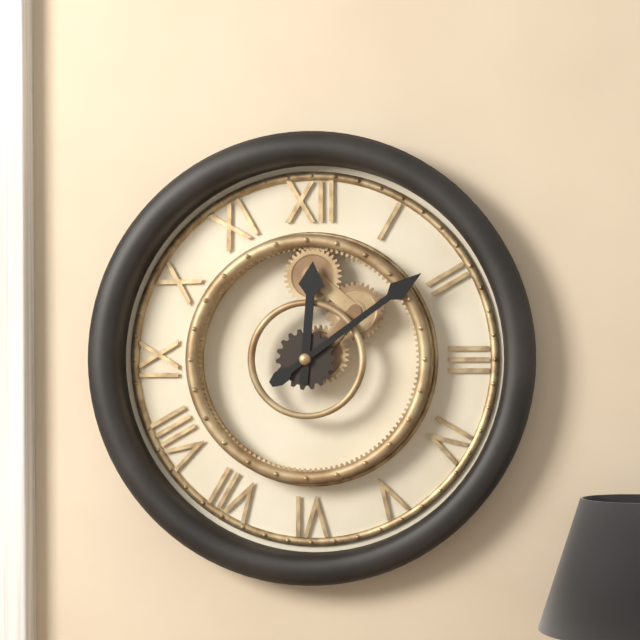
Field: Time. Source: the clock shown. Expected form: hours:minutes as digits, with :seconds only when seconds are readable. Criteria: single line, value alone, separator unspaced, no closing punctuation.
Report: 12:09
